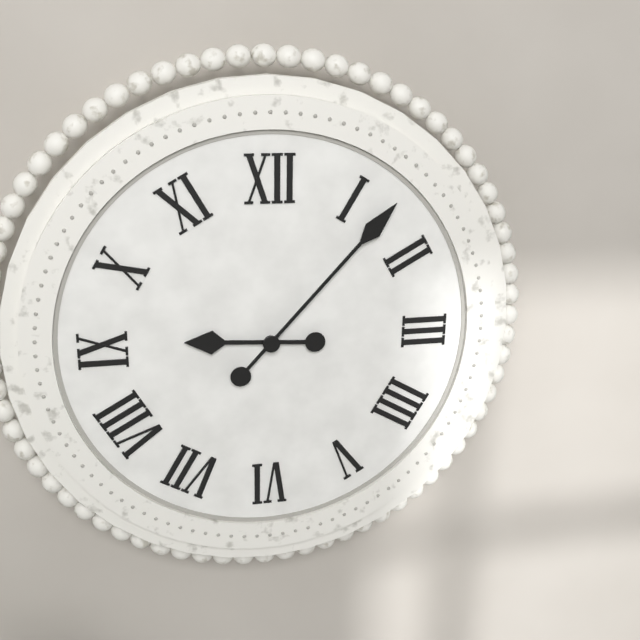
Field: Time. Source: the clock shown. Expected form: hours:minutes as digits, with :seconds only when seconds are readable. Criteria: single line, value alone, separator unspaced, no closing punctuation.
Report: 9:07
